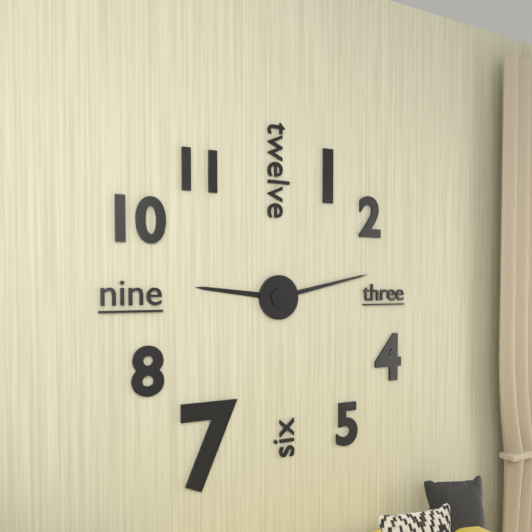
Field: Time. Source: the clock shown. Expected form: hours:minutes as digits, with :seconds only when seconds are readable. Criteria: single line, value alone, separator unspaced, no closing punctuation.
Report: 9:13
